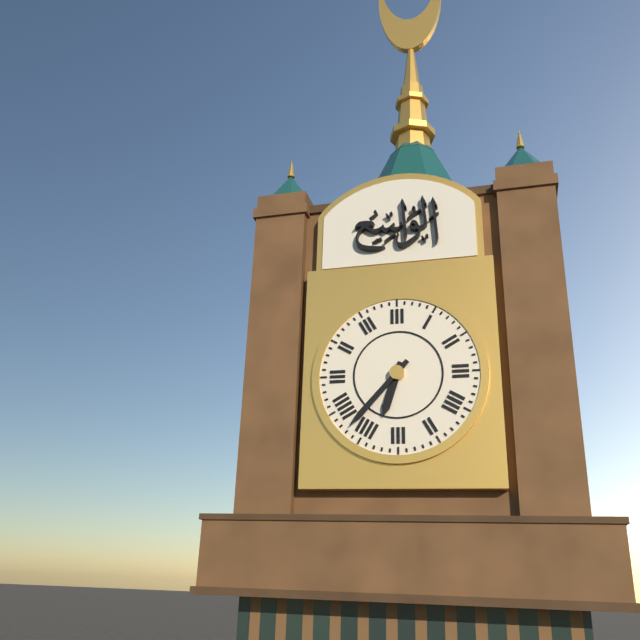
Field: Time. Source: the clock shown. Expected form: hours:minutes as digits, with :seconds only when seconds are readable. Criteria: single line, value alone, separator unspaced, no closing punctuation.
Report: 6:37
